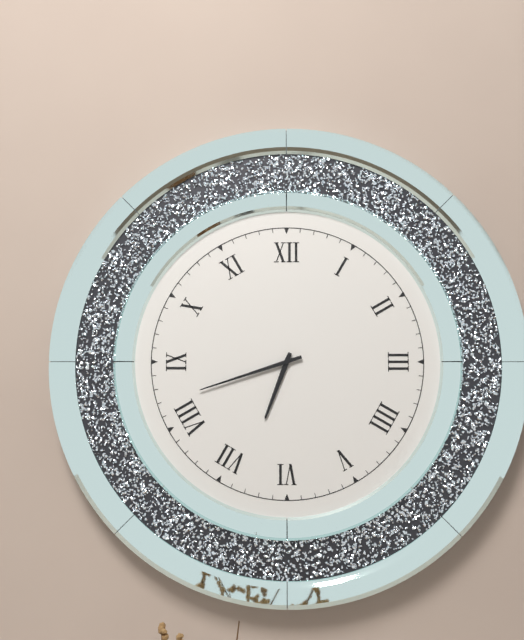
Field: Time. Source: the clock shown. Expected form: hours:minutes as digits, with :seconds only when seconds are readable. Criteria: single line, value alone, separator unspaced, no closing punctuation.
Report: 6:42
